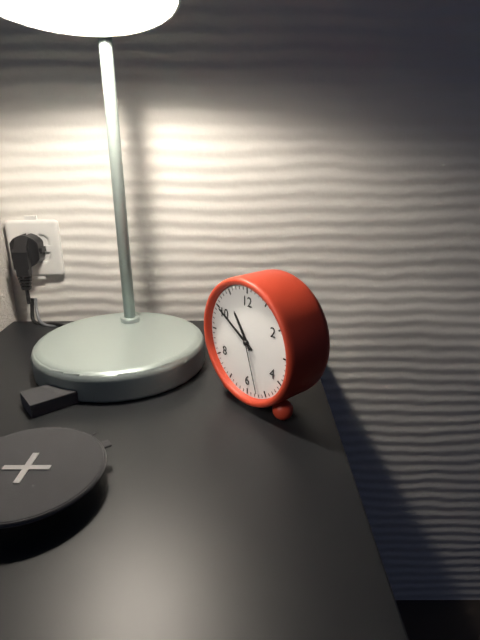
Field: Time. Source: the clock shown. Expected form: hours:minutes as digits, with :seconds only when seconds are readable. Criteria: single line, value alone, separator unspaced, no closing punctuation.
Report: 10:50:27
